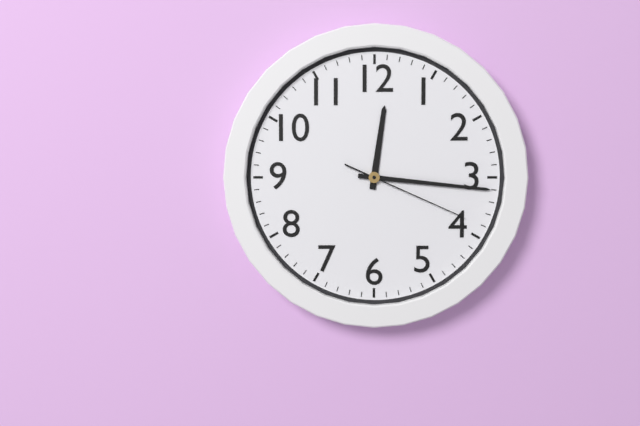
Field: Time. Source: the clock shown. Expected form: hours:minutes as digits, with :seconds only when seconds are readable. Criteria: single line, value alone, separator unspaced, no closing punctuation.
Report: 12:16:19
